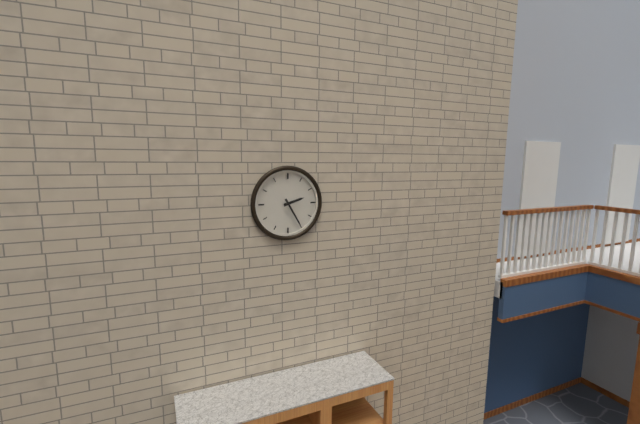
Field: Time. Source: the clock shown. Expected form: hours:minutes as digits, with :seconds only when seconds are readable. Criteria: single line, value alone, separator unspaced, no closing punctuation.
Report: 2:25
